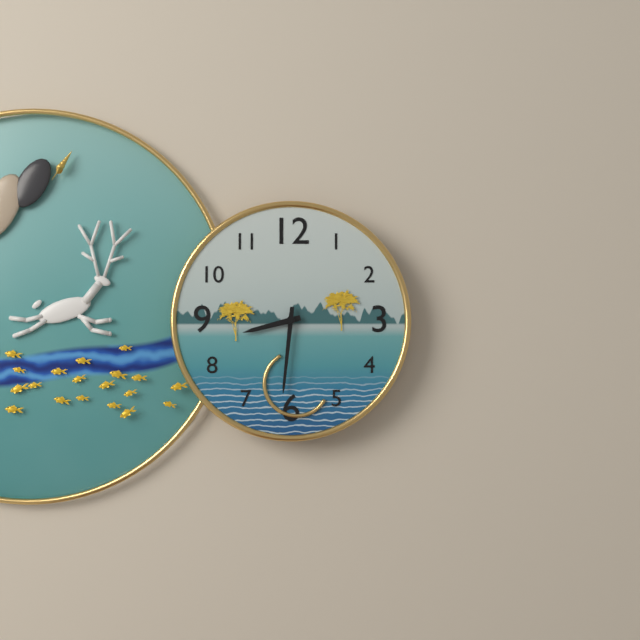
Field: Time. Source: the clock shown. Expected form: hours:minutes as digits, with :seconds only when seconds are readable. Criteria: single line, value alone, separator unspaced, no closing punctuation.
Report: 8:31
